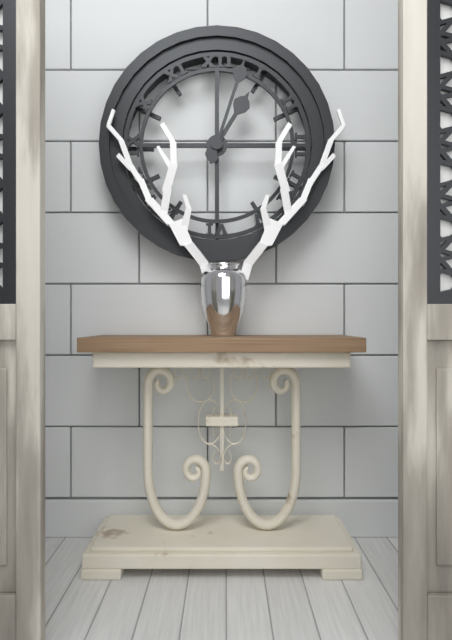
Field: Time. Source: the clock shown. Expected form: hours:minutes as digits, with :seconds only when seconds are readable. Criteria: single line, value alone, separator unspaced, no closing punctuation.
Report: 1:03
